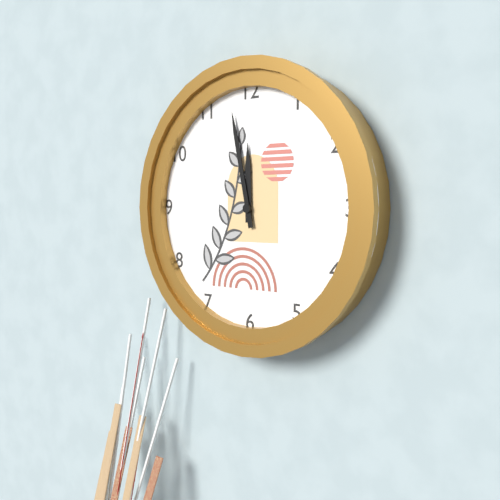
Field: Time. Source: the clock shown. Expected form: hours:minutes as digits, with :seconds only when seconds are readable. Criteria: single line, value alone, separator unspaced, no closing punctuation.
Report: 11:58
